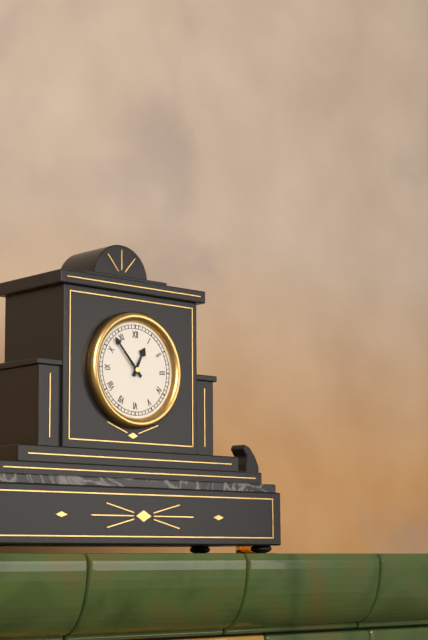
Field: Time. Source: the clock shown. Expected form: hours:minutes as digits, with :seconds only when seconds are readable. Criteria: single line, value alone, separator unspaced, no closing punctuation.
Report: 12:53
